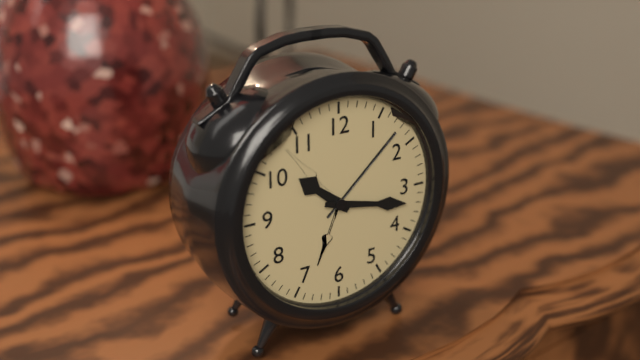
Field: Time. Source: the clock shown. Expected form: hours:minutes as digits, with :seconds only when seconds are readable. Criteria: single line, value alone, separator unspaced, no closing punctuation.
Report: 10:17
